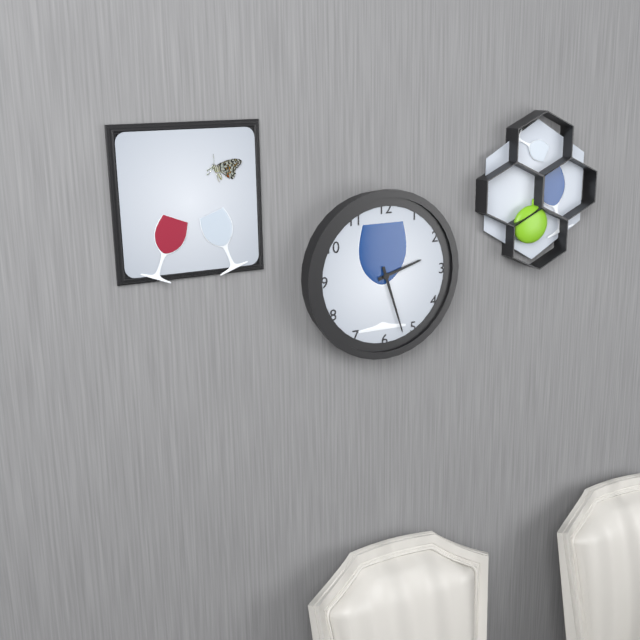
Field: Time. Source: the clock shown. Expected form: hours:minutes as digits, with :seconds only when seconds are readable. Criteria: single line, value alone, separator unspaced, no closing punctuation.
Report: 2:27
